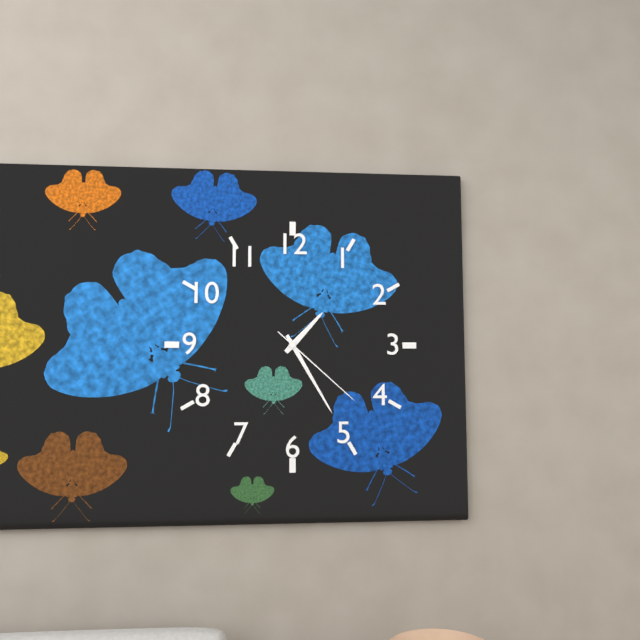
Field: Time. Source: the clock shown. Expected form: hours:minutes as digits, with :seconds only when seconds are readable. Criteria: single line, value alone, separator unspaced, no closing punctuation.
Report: 1:25:22
